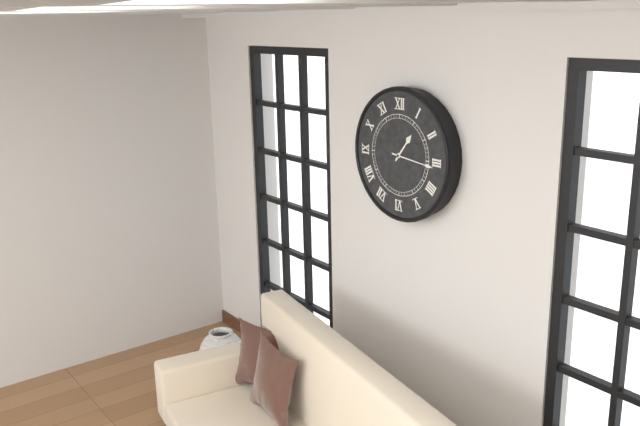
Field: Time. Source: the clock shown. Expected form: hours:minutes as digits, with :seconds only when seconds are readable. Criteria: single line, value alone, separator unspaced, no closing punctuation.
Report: 1:16
